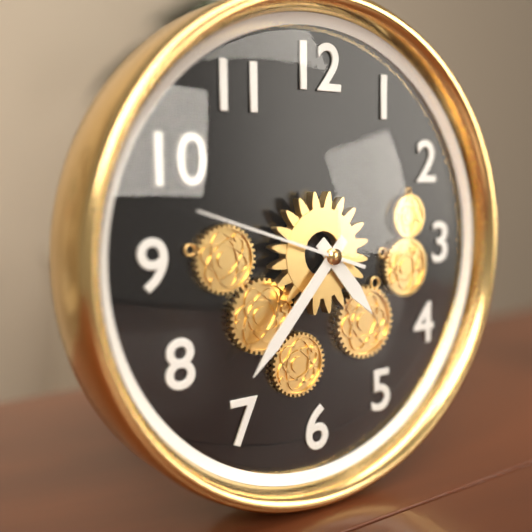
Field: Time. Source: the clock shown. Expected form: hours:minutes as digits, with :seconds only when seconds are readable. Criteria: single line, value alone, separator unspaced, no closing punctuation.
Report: 4:37:48
